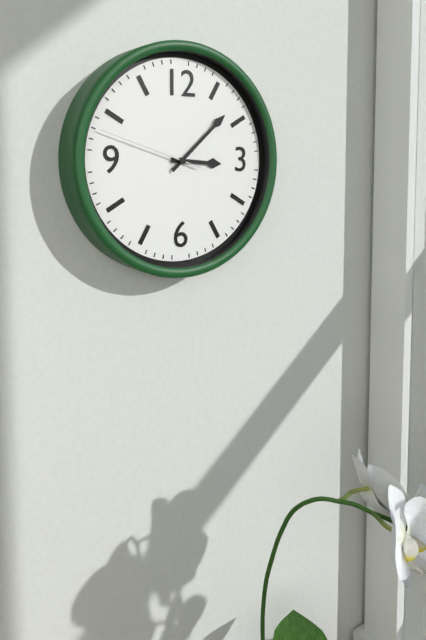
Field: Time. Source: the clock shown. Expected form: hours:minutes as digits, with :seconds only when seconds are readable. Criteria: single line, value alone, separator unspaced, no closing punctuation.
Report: 3:08:48
